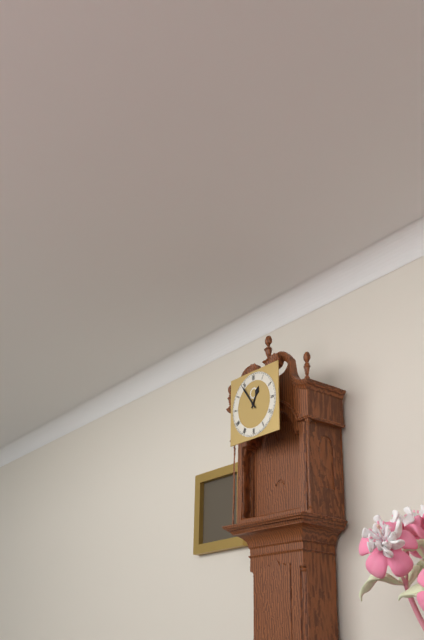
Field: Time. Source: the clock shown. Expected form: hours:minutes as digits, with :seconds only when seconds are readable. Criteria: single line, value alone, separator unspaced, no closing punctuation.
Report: 12:54
